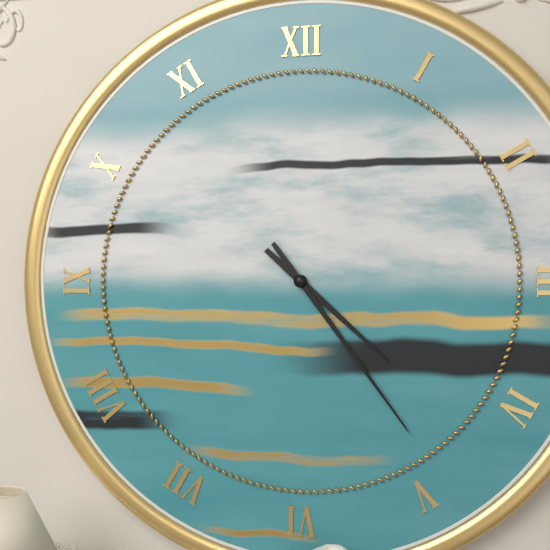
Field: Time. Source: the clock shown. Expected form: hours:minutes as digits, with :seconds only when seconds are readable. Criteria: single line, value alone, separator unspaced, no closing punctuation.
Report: 4:24
